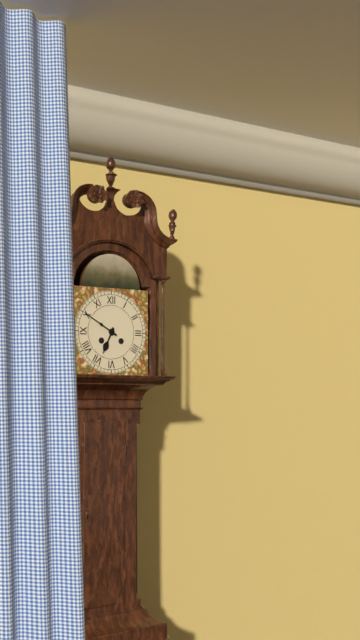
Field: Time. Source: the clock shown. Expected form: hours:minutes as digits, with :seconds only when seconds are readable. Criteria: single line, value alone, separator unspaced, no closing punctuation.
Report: 6:50
